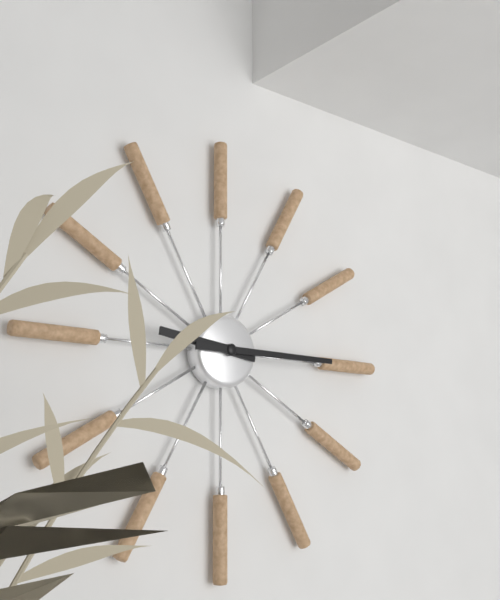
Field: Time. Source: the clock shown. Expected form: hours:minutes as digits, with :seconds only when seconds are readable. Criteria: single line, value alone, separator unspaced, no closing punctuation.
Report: 9:15
